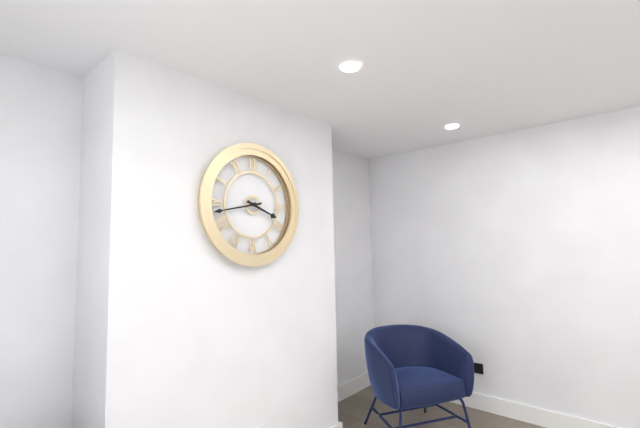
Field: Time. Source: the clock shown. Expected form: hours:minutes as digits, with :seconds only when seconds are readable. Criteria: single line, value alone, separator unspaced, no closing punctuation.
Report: 3:43
